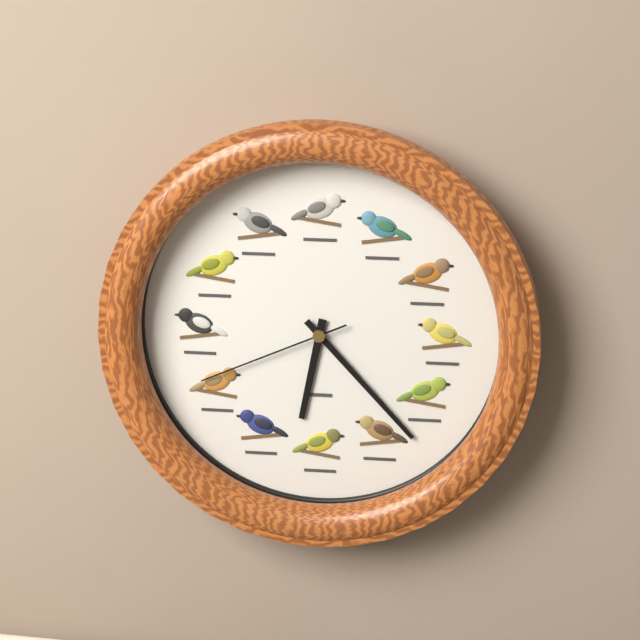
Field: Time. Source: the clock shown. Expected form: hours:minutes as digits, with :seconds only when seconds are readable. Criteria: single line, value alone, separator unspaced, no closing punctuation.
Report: 6:23:41
